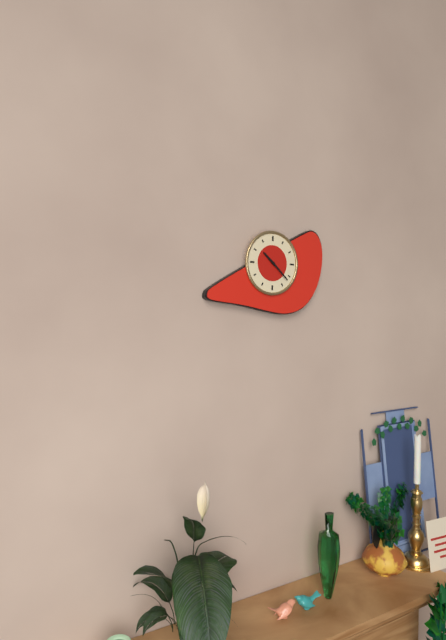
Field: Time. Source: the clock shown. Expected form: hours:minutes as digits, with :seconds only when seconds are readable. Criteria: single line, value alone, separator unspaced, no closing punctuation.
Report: 10:22
